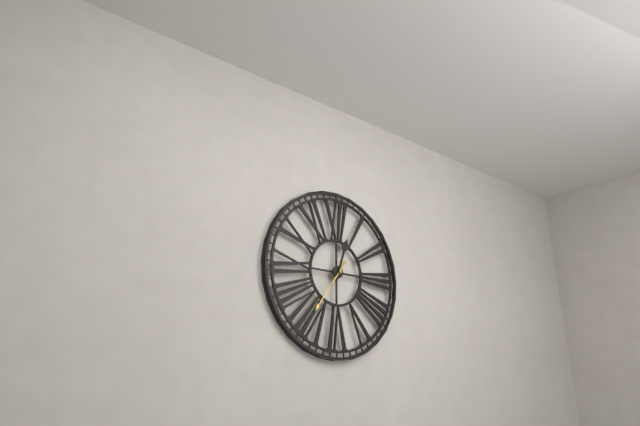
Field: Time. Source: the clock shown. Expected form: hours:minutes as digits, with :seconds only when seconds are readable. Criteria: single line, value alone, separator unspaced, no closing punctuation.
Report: 12:36
